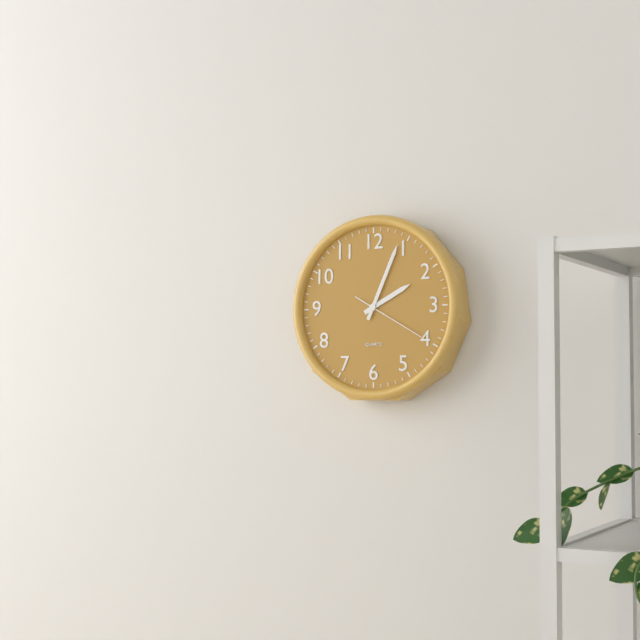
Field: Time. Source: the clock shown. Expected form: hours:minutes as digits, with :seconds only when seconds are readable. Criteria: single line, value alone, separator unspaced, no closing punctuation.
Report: 2:04:20
